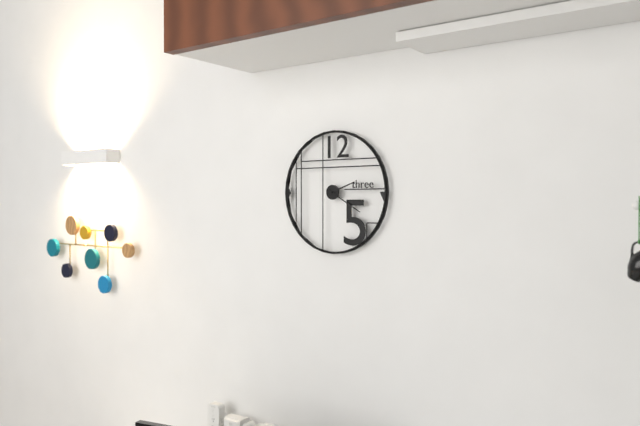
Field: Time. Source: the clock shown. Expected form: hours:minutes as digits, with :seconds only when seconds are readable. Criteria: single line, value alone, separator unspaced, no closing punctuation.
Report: 2:20
